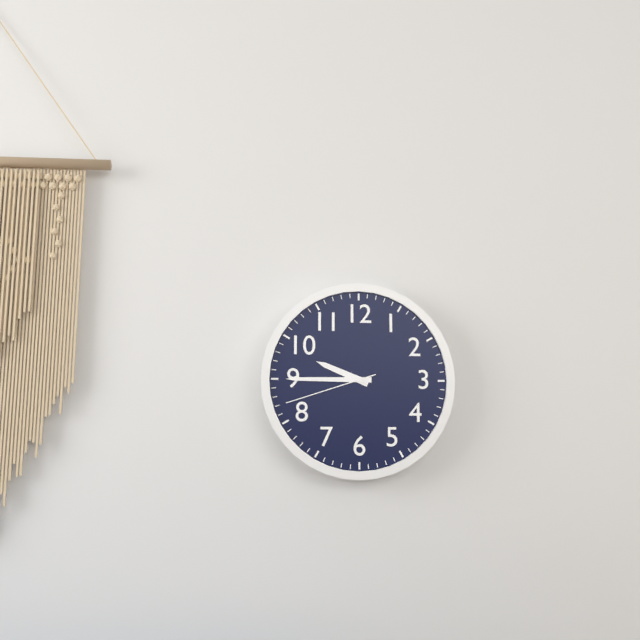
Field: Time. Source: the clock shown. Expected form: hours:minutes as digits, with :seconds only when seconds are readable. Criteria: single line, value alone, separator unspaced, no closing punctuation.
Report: 9:45:42
